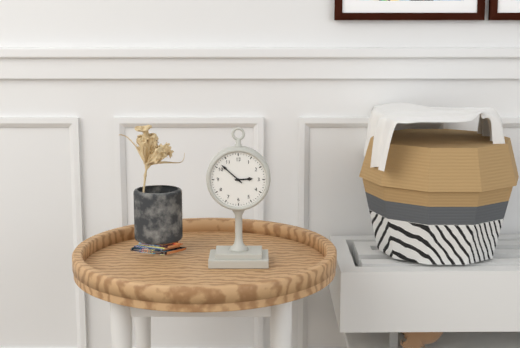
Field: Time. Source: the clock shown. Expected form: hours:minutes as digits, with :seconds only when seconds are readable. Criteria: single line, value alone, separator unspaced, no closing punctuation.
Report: 2:52
